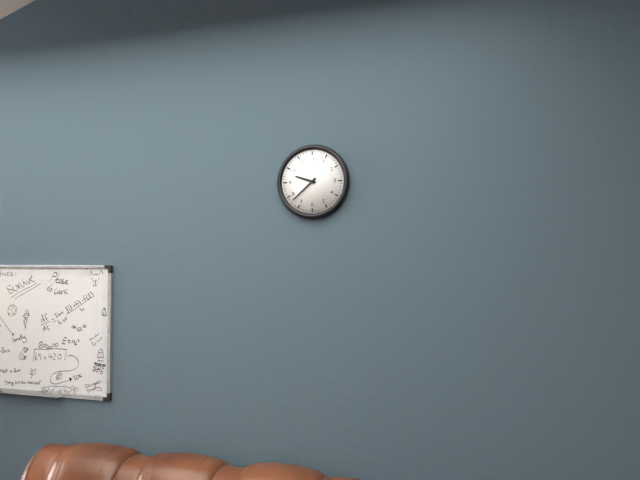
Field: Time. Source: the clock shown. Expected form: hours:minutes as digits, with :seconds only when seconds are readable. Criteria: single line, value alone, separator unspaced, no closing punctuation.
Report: 9:38
